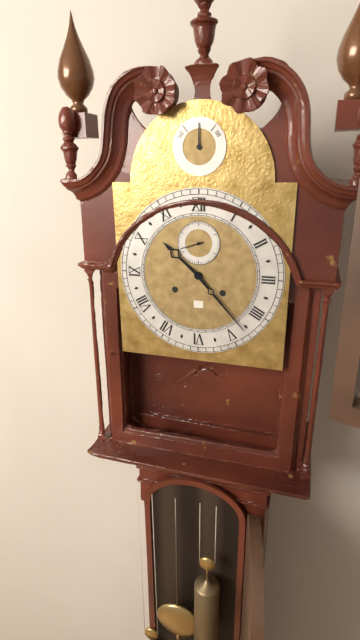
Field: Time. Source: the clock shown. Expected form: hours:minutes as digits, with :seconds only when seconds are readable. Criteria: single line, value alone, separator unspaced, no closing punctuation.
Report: 10:23
